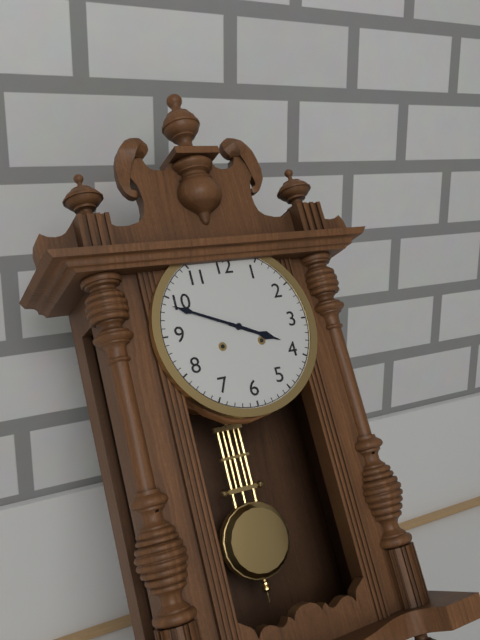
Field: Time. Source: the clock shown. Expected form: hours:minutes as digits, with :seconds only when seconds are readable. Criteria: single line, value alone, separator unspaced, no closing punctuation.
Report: 3:49
